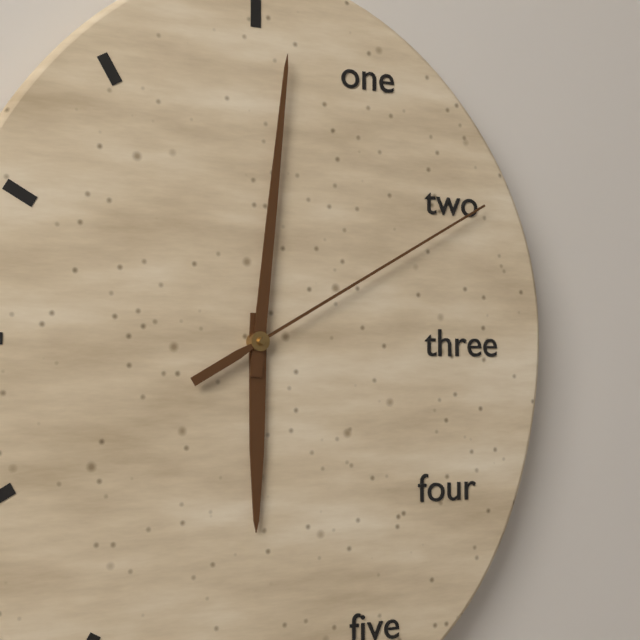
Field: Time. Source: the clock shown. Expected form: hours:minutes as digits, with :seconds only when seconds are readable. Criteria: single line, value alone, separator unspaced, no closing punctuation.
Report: 6:01:10
